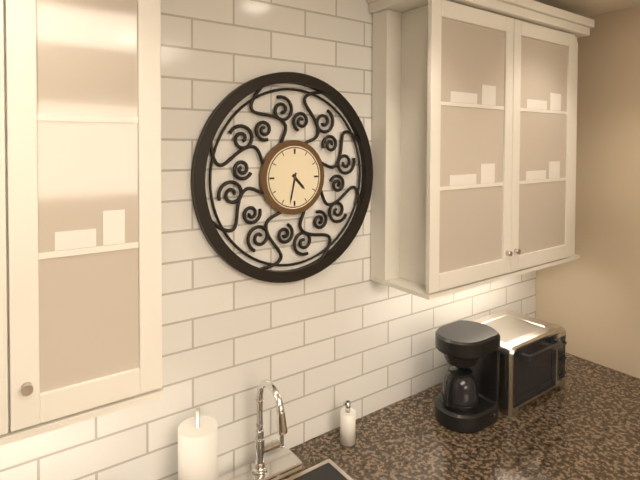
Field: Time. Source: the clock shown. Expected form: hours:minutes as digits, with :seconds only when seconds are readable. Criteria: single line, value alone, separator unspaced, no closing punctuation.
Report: 4:32
